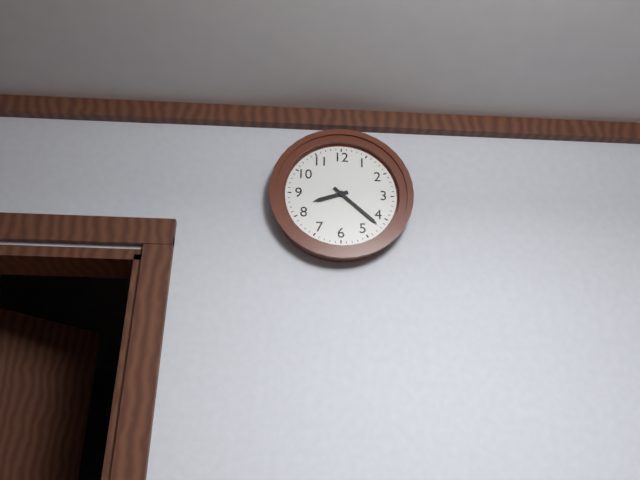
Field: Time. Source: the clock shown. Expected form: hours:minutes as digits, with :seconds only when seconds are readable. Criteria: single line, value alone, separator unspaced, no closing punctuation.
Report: 8:22
